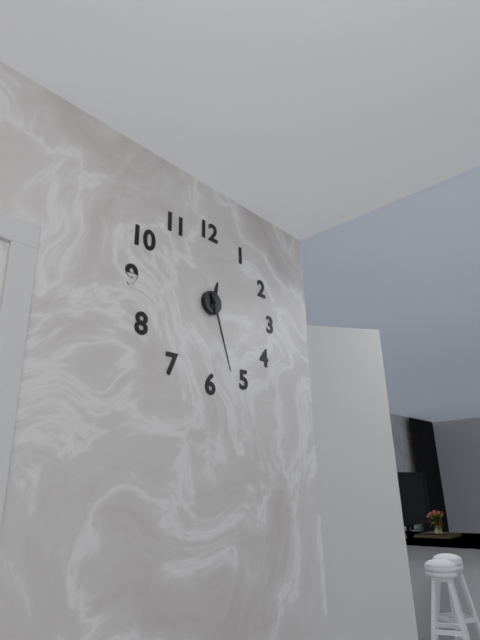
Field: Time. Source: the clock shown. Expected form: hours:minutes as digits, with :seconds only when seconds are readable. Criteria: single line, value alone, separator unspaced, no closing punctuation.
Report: 12:27
